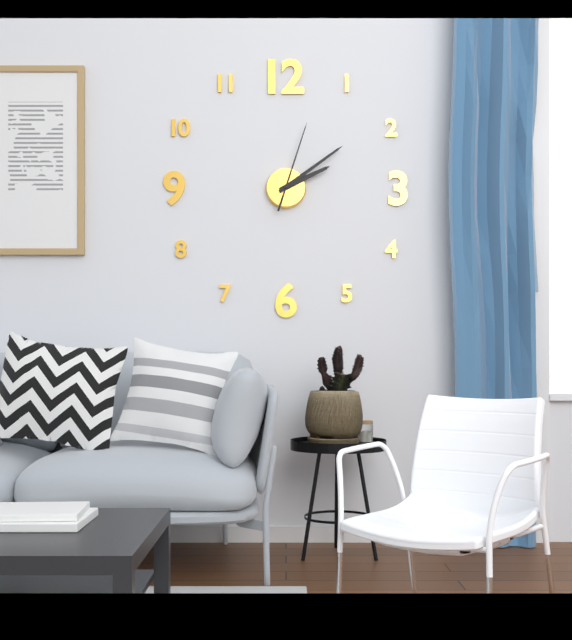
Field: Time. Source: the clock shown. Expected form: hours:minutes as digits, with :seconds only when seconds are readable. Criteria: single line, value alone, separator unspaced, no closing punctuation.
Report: 2:09:03
